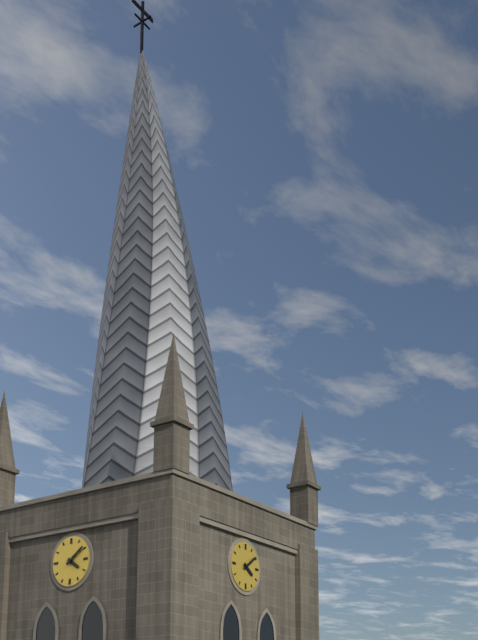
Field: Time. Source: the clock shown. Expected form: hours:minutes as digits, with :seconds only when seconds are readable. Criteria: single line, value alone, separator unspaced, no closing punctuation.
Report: 4:09
